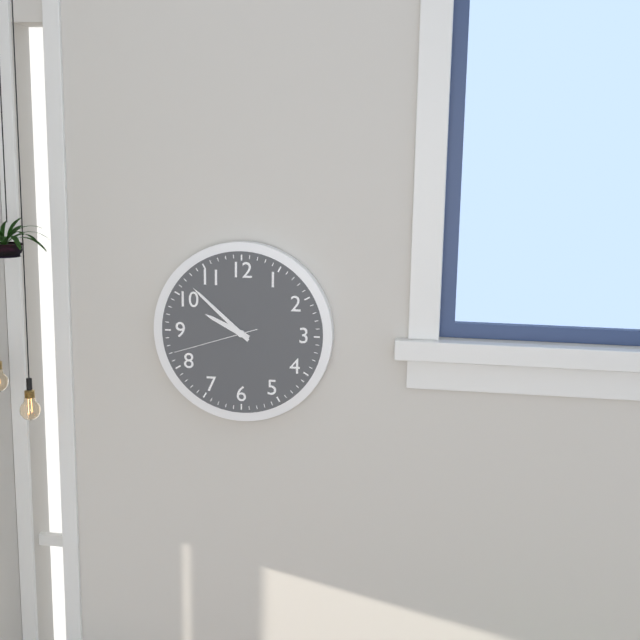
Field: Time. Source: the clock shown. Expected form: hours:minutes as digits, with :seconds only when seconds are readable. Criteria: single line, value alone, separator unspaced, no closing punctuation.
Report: 9:52:42
